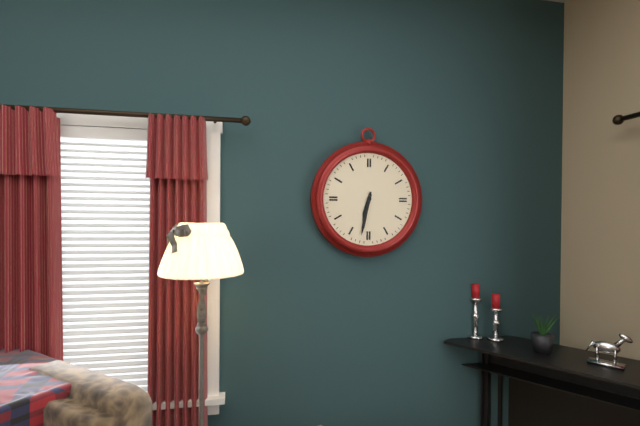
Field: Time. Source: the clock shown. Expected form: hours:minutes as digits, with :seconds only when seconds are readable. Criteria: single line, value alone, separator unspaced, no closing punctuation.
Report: 6:32
